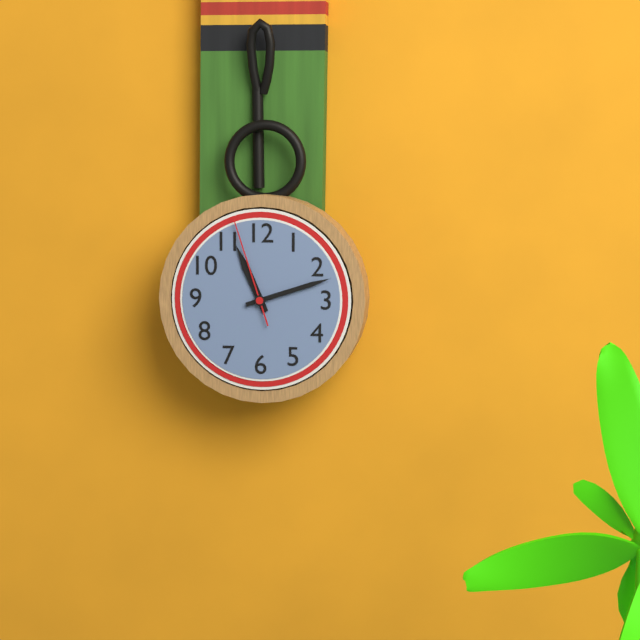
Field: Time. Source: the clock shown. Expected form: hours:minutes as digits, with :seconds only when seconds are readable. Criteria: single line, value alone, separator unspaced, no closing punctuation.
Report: 11:12:57
